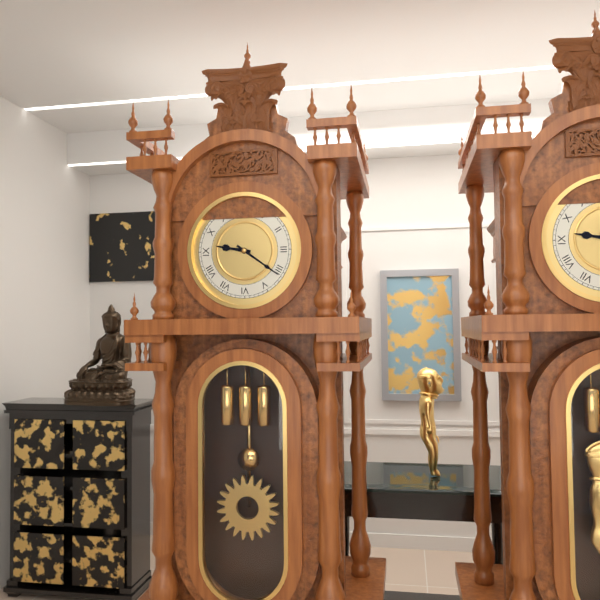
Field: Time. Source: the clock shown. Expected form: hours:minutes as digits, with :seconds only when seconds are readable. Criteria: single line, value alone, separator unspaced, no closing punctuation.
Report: 9:21
